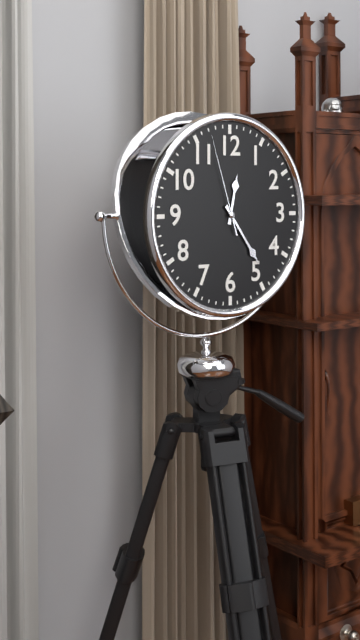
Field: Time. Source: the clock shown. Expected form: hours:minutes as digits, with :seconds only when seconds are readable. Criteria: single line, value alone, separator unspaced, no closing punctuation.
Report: 12:24:57
